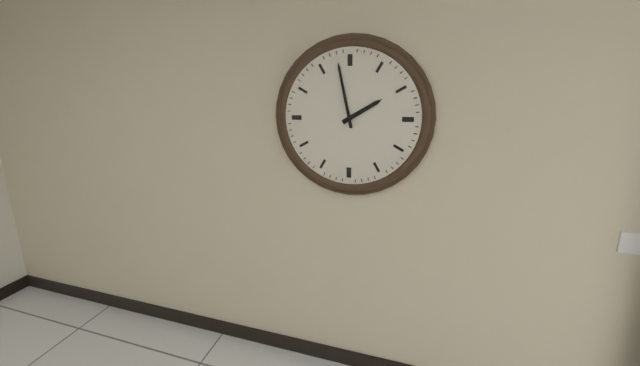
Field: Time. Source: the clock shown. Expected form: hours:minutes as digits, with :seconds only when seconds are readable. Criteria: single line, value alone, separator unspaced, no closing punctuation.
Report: 1:58
